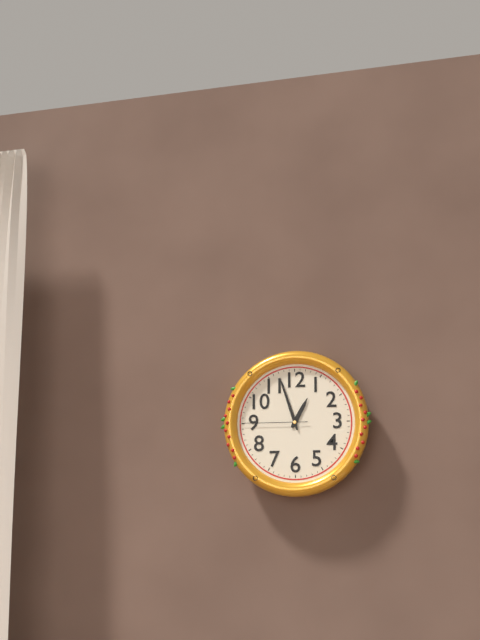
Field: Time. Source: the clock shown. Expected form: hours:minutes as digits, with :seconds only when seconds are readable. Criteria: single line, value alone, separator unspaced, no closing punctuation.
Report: 12:57:45
